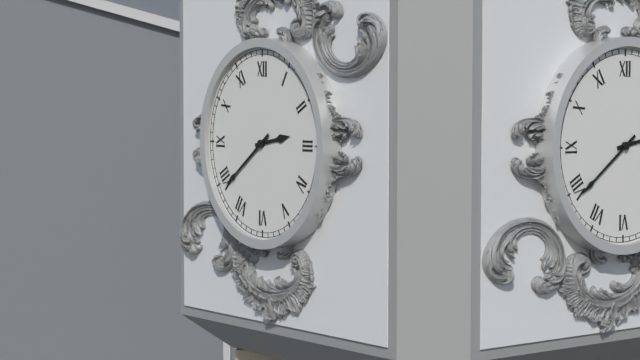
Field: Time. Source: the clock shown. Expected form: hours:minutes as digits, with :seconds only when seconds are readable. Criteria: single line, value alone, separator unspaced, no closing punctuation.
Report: 2:39
